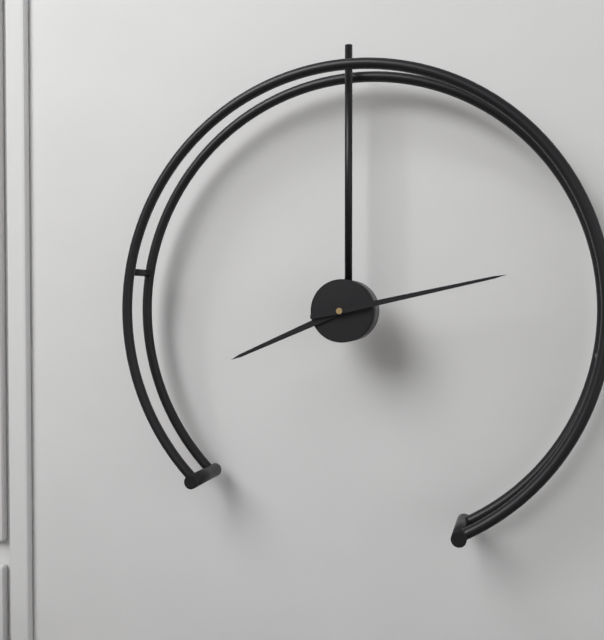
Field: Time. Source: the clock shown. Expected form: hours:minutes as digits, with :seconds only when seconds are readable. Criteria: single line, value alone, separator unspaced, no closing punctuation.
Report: 8:13
